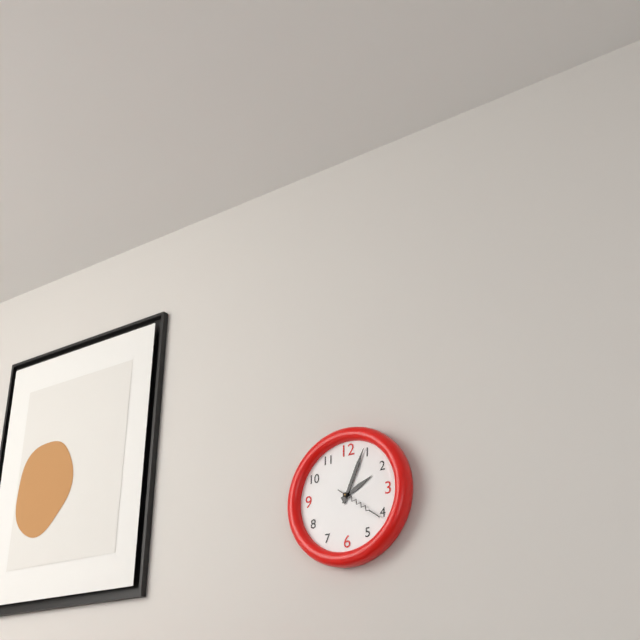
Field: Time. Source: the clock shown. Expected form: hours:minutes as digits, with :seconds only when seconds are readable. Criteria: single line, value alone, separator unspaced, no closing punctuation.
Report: 2:04:21
